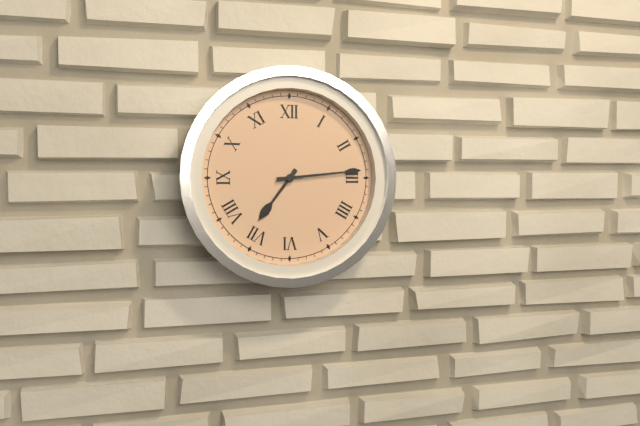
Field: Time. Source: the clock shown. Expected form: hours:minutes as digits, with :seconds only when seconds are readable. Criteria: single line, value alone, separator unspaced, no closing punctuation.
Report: 7:14
